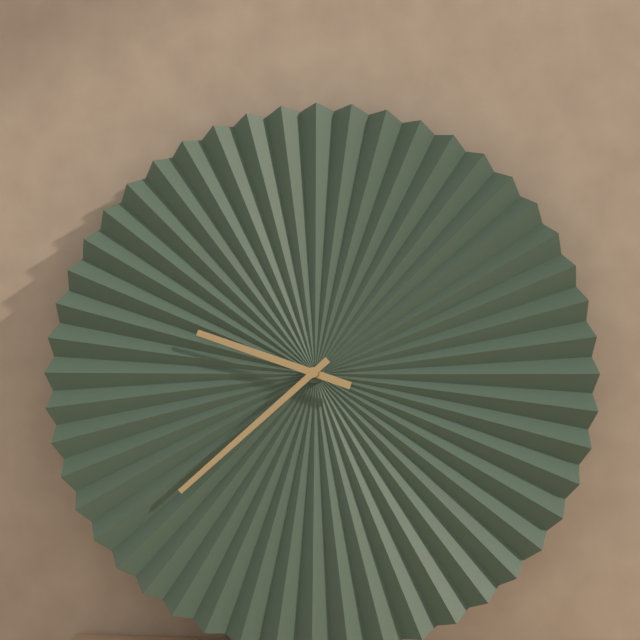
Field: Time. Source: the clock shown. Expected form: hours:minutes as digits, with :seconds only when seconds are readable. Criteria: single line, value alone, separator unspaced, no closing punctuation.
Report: 9:38
